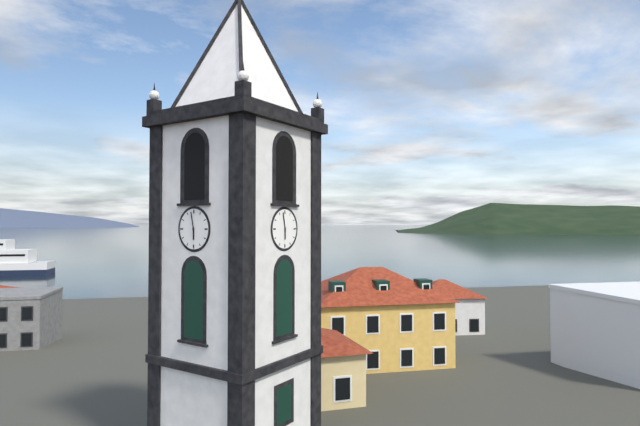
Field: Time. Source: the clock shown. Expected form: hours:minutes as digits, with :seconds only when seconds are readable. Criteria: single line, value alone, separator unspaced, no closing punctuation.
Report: 5:58
